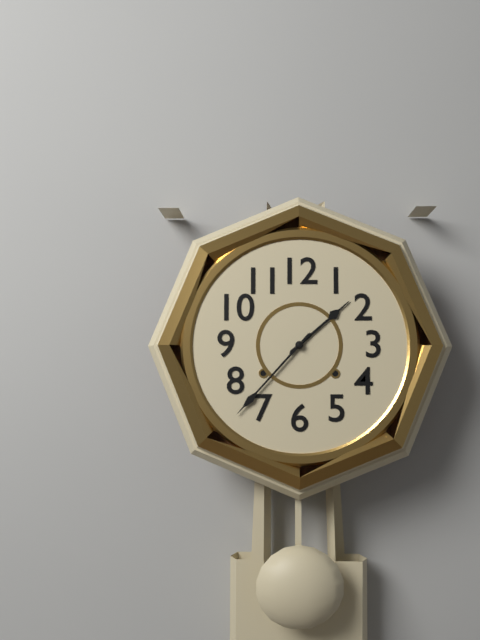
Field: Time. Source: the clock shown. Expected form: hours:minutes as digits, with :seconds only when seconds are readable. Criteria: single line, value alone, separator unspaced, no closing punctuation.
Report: 1:37
